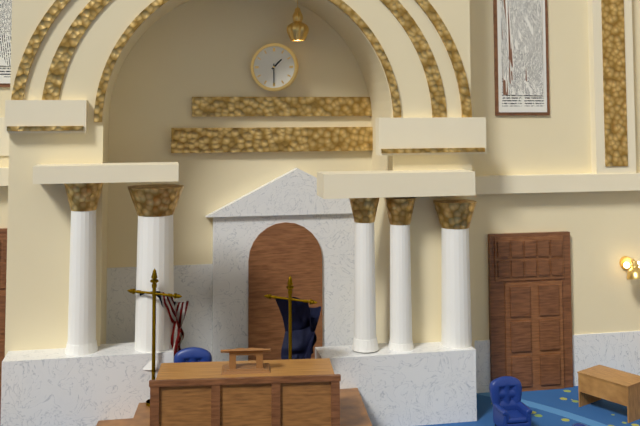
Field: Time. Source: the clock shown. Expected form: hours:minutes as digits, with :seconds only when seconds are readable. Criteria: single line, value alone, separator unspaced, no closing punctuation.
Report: 1:30
